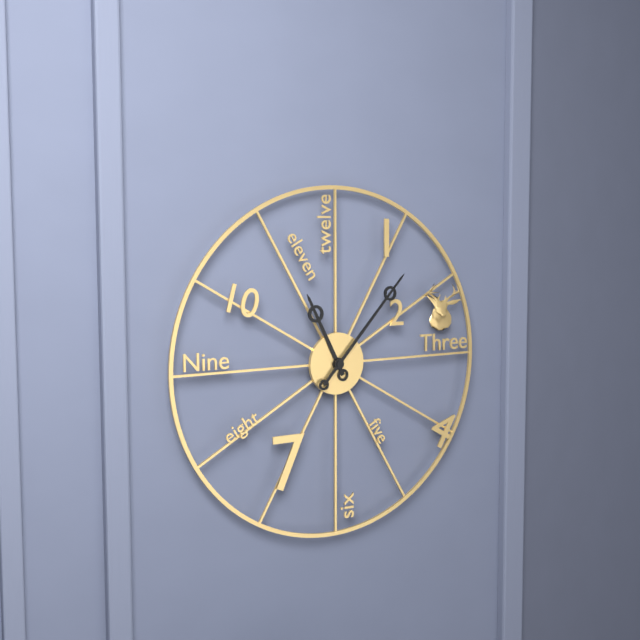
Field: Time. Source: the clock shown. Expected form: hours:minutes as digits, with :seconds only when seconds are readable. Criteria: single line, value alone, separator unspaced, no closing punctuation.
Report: 11:07
